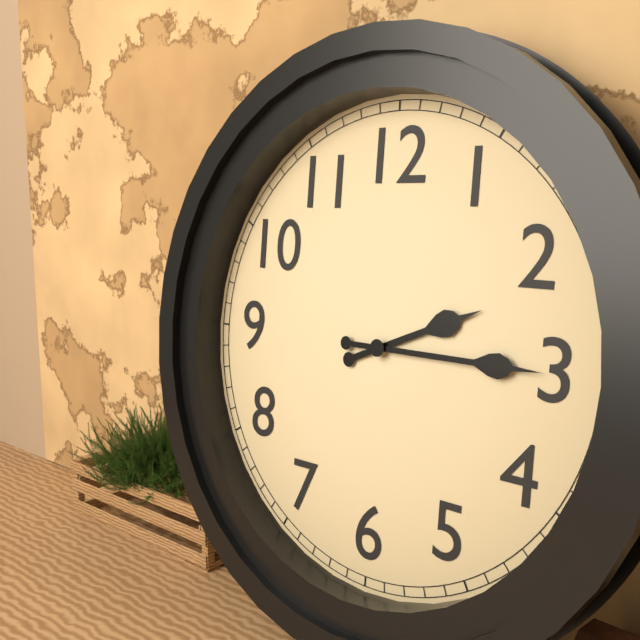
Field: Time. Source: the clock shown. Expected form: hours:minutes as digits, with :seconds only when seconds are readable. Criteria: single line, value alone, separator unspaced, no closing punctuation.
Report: 2:15
